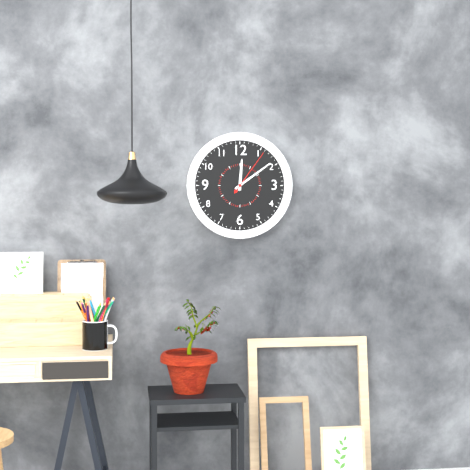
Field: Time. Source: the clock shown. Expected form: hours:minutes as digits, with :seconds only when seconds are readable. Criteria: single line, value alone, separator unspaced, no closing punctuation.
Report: 12:09:06
